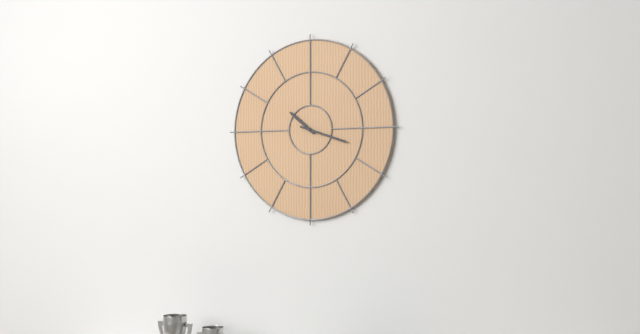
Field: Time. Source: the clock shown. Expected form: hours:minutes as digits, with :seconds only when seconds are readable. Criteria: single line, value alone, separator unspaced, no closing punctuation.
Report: 10:18
